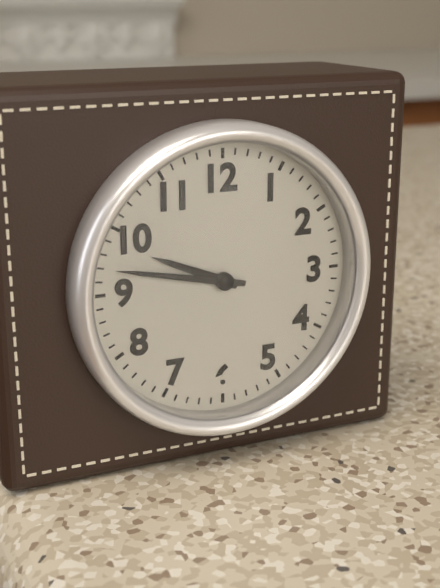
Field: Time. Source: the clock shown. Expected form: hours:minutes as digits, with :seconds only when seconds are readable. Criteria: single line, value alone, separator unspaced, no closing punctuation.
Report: 9:47
